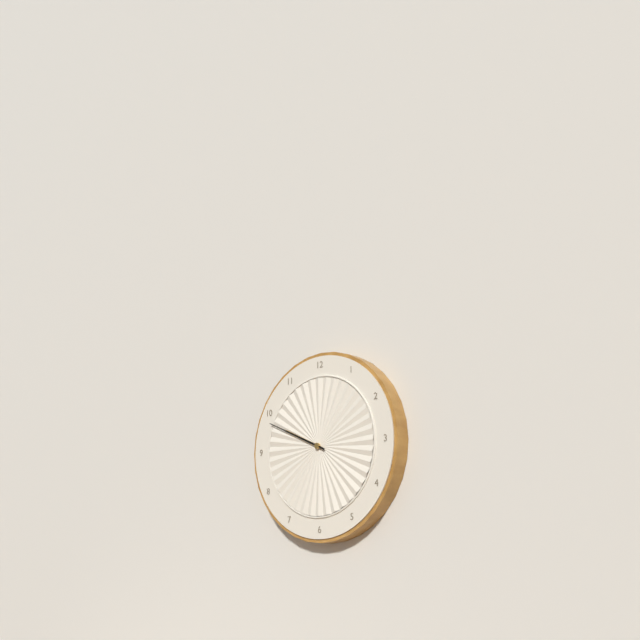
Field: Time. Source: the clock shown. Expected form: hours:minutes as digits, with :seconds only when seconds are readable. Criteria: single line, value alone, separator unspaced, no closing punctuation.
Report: 9:49
